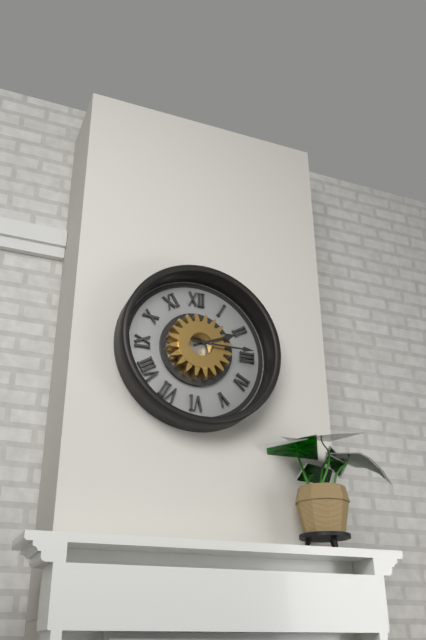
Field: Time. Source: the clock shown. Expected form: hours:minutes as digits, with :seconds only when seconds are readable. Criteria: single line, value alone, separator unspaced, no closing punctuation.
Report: 2:15
